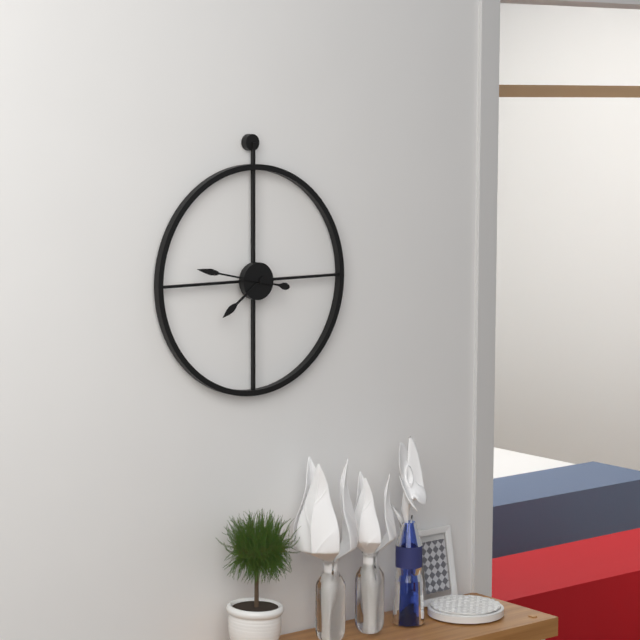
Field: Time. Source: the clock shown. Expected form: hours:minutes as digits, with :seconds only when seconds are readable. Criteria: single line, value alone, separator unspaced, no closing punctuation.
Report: 7:47
